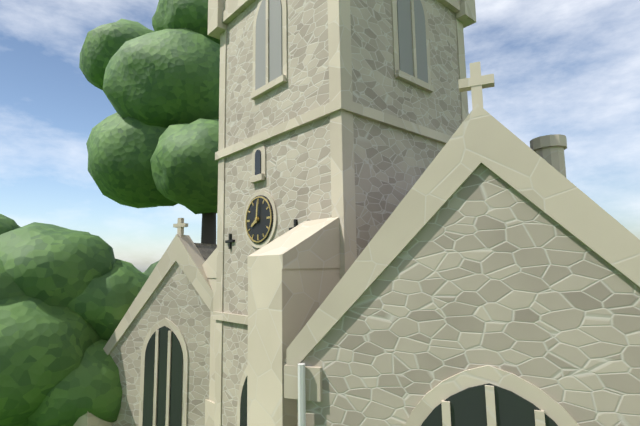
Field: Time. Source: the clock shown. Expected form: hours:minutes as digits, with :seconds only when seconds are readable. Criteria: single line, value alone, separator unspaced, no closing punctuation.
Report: 8:01
